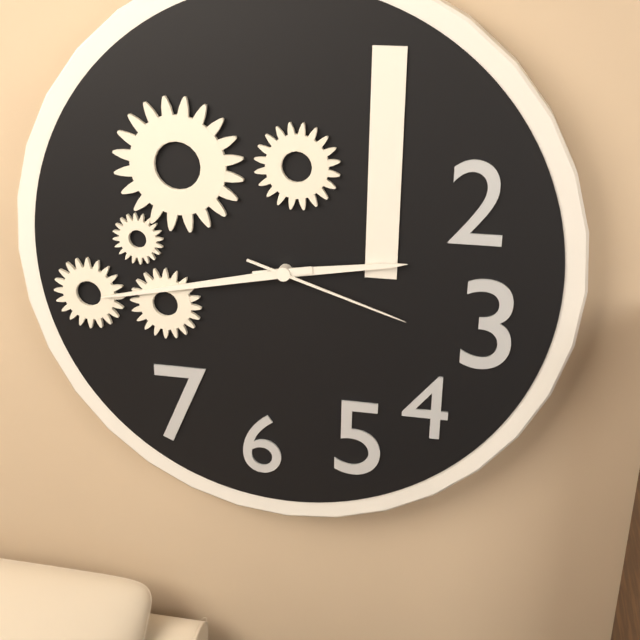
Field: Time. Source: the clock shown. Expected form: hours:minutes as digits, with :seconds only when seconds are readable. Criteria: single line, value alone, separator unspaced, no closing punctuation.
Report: 2:43:18
